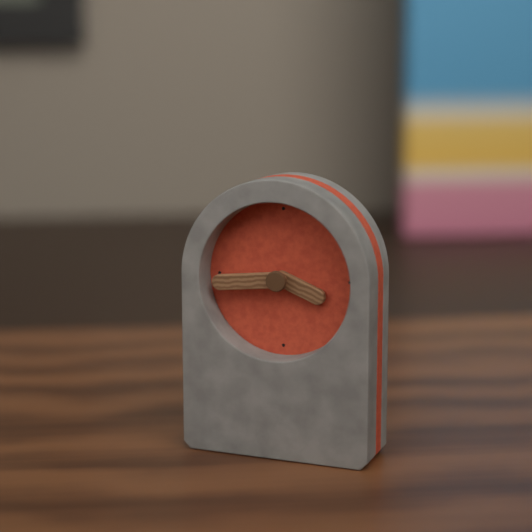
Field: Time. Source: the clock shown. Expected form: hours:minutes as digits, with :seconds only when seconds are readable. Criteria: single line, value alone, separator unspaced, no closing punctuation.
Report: 3:44
